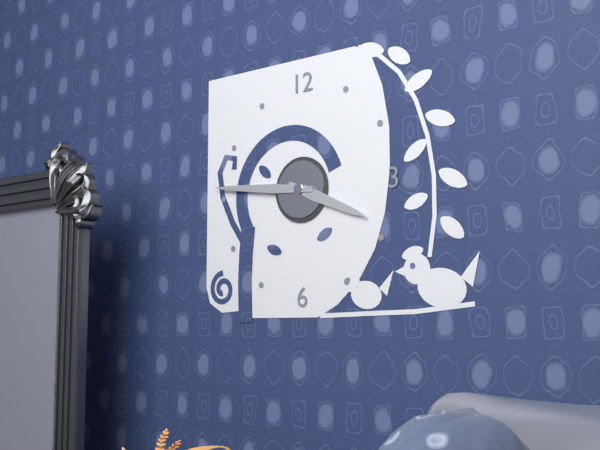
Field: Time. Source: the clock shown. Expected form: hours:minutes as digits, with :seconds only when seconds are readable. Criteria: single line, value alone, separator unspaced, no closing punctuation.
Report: 3:46
